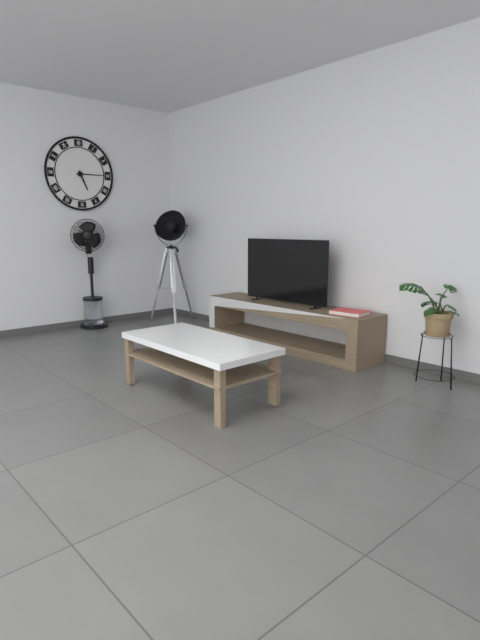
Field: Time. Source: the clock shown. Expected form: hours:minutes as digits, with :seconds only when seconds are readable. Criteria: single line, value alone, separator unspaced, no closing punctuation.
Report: 5:15
